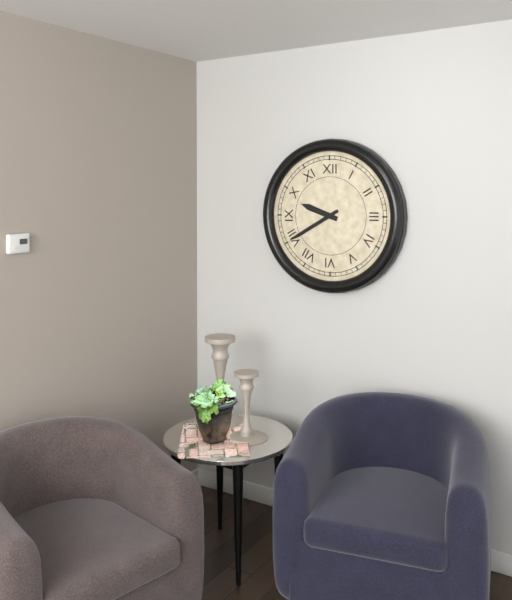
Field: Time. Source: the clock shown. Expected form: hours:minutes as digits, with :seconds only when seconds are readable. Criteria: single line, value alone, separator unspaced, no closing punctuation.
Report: 9:40
